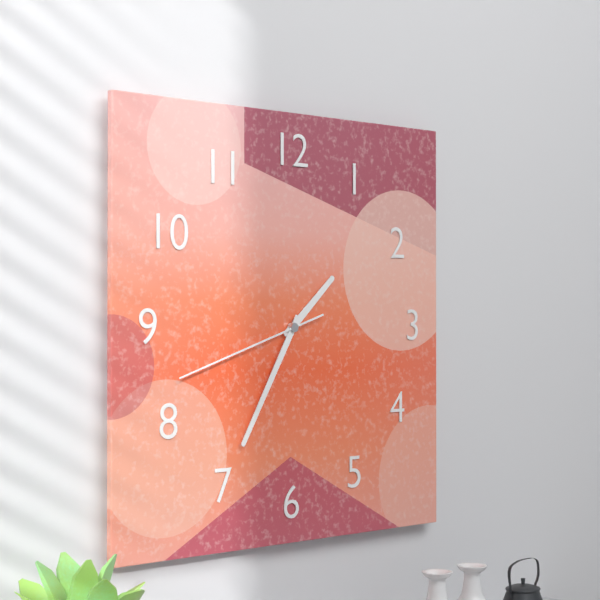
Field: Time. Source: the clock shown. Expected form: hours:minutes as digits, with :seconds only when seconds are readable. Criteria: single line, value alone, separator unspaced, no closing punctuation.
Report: 1:35:42
